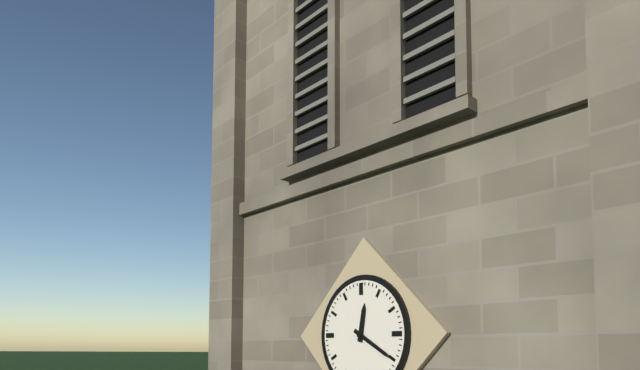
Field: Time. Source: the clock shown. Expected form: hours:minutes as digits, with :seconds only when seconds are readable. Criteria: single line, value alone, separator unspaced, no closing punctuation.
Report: 12:20
